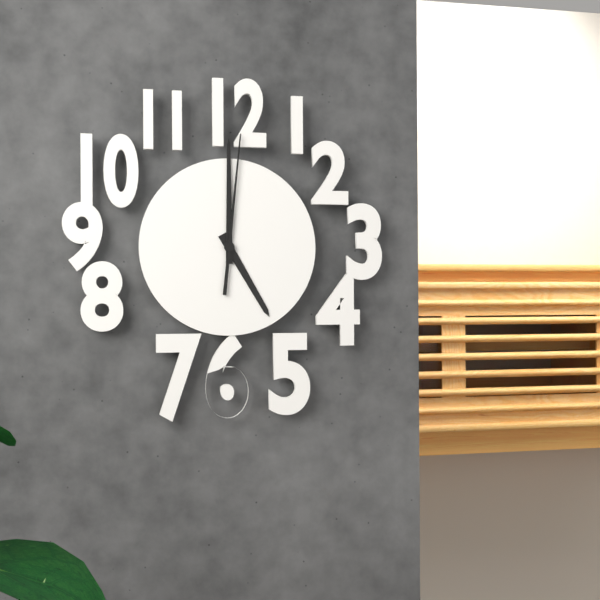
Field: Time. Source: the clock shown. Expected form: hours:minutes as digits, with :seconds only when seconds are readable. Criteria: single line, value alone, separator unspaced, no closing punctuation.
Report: 5:00:01
